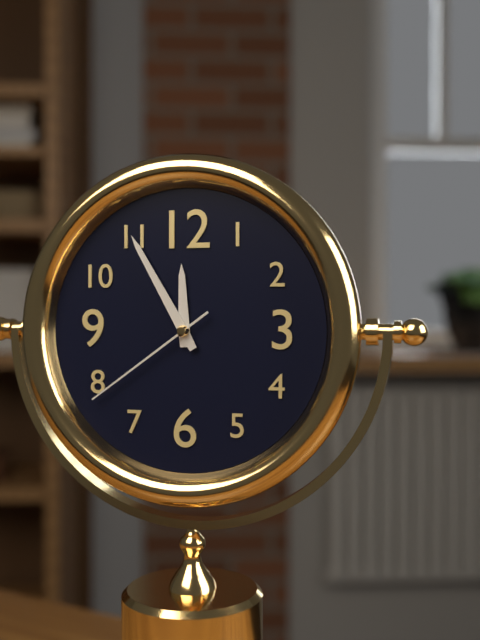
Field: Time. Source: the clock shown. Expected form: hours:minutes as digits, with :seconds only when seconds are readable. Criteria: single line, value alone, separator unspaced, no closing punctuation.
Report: 11:55:39
